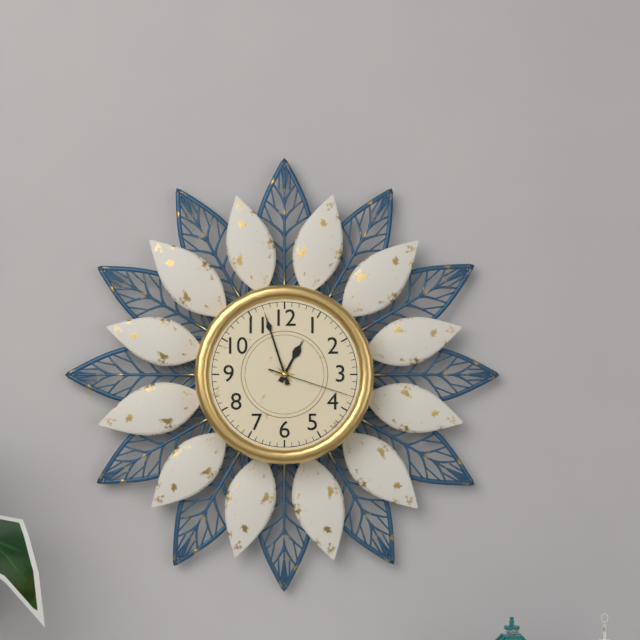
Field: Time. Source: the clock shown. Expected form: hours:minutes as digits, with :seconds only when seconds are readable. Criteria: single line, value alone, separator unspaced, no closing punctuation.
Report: 12:57:18
